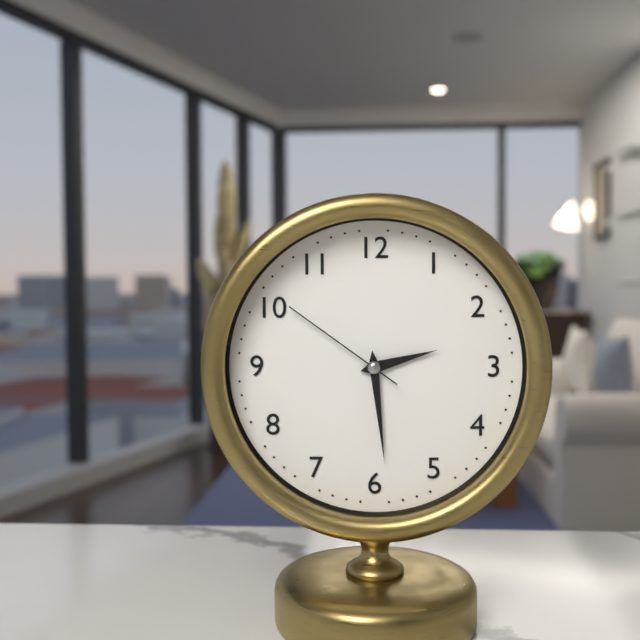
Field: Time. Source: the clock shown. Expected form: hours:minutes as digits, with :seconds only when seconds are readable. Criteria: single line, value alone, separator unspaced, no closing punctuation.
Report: 2:29:51
